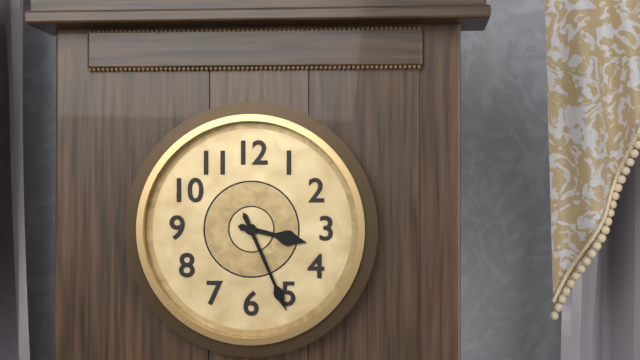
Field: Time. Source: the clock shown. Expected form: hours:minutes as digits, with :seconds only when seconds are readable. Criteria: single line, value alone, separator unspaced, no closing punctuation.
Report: 3:26
